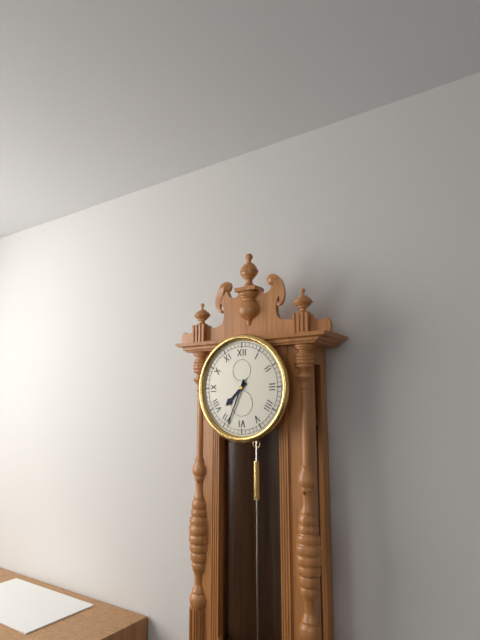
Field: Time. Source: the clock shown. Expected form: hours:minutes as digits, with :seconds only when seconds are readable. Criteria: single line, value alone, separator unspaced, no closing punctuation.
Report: 7:34
